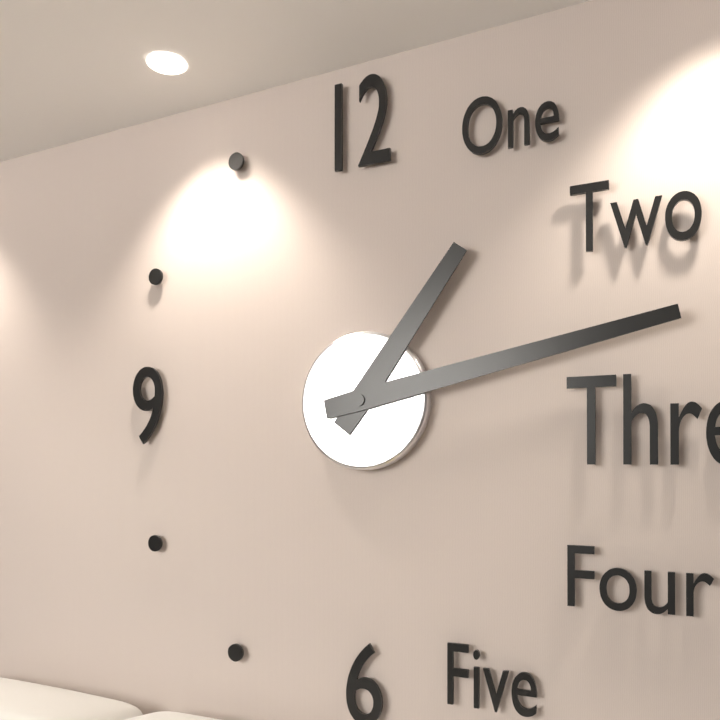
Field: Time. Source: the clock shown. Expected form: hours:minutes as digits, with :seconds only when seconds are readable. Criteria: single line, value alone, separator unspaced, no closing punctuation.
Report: 1:13
